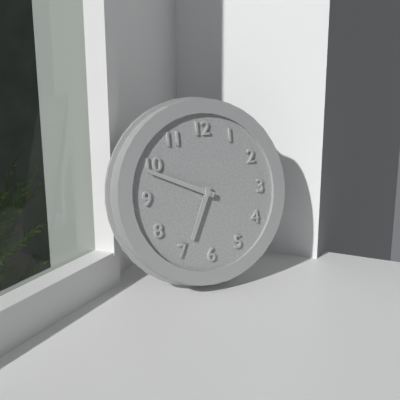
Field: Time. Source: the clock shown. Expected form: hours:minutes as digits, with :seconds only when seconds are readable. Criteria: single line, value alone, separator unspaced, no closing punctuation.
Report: 6:49
